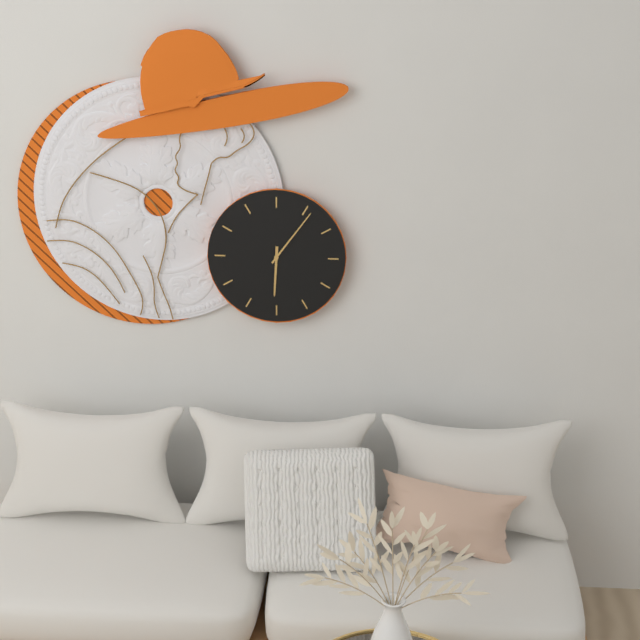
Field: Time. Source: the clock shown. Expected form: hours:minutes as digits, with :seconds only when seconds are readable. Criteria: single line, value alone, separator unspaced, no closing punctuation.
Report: 6:06
